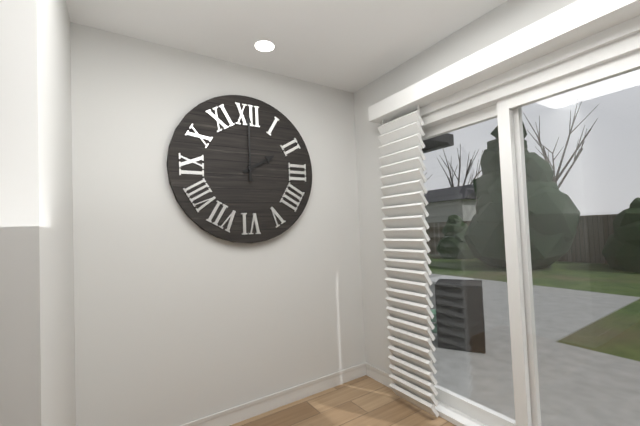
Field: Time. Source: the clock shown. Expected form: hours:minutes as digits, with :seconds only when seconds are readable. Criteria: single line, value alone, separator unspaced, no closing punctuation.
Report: 2:00
